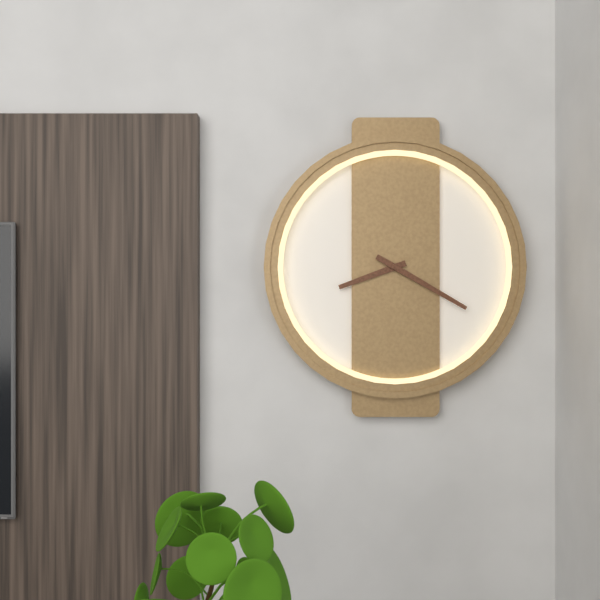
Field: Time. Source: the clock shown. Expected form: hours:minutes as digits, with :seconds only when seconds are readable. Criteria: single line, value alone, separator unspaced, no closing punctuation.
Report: 8:20
